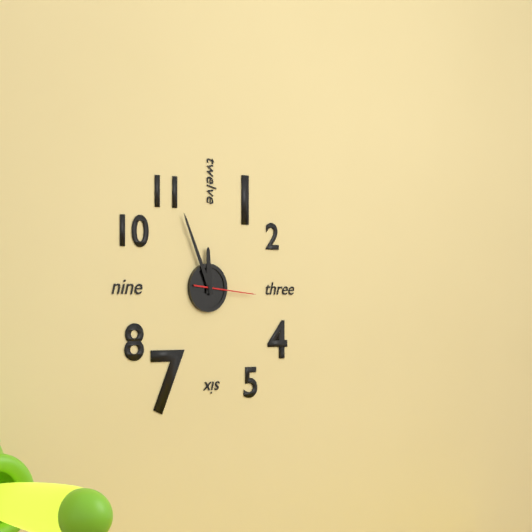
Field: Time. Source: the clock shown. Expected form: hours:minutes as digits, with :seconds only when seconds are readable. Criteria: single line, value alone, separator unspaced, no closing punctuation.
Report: 11:56:16
